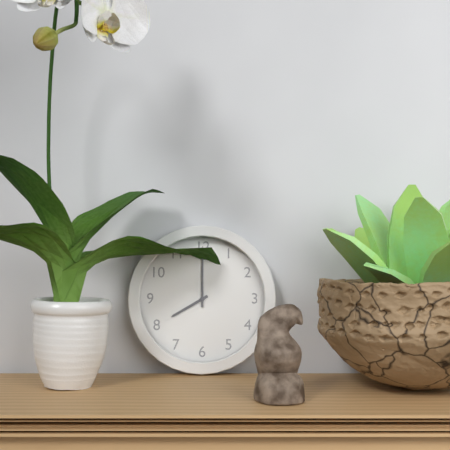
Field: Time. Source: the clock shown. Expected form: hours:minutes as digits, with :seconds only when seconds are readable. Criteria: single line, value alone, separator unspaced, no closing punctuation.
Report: 8:00
